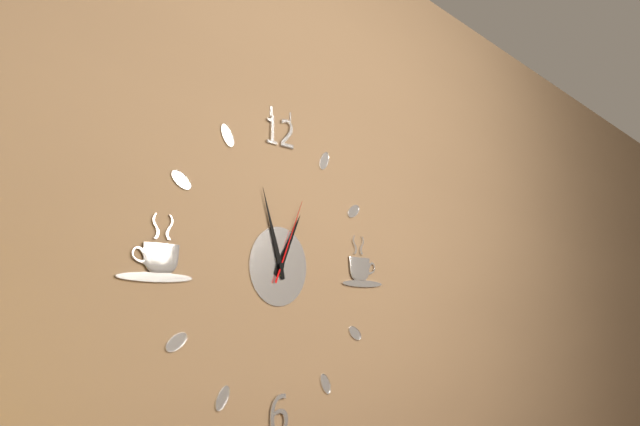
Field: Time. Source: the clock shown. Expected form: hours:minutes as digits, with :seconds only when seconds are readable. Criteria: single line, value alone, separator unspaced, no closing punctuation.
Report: 12:57:04
